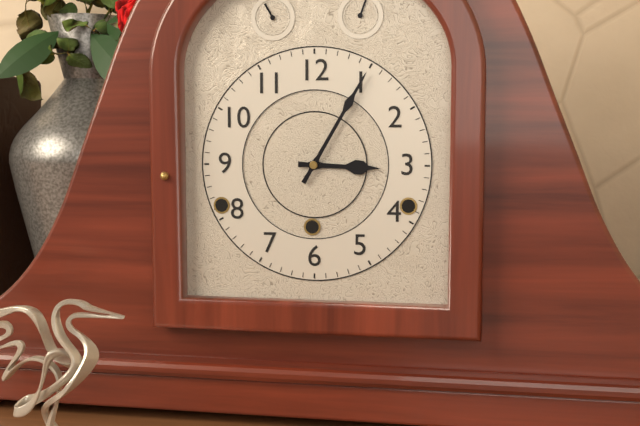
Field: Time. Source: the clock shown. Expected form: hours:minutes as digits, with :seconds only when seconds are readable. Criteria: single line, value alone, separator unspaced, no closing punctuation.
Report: 3:05
